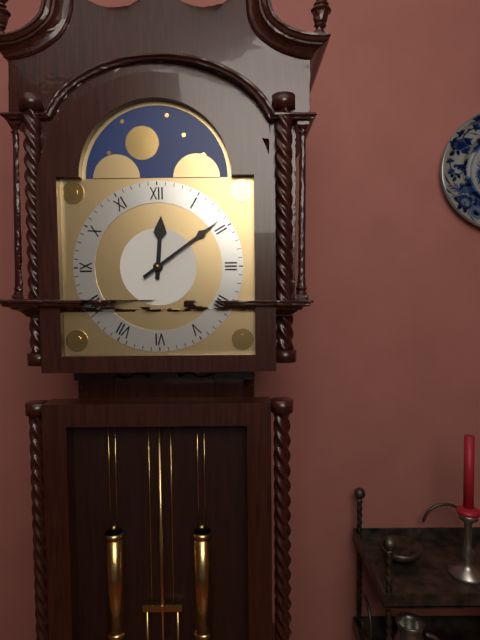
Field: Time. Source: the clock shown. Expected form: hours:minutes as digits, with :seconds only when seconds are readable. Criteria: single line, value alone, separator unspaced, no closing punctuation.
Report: 12:09
